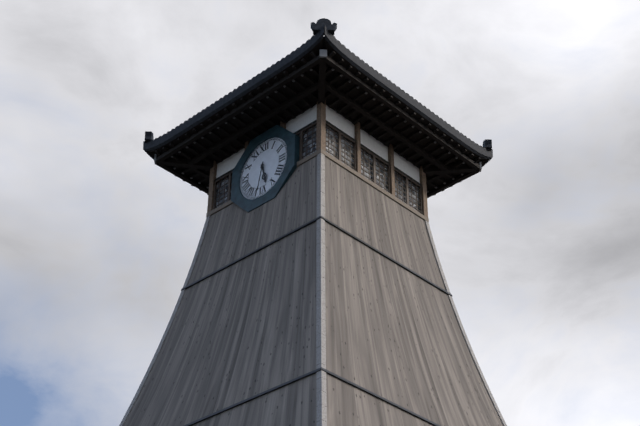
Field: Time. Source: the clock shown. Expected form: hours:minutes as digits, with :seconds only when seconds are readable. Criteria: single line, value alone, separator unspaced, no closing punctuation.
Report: 5:32
